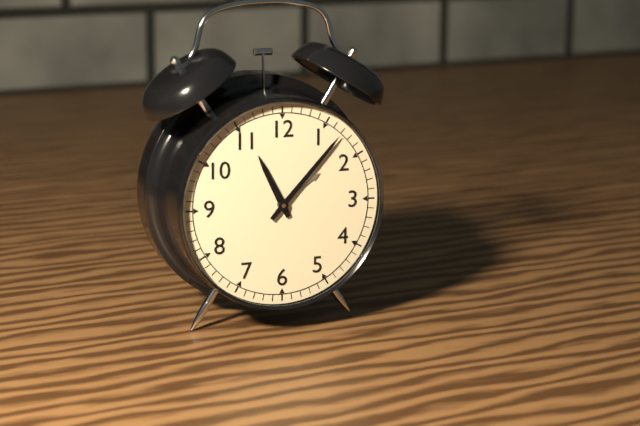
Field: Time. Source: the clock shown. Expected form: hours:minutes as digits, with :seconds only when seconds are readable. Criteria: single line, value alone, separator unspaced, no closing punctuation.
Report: 11:07
